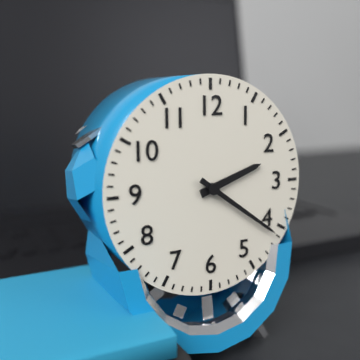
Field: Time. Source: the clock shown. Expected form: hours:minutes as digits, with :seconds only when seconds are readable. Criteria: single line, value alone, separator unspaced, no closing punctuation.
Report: 2:21
